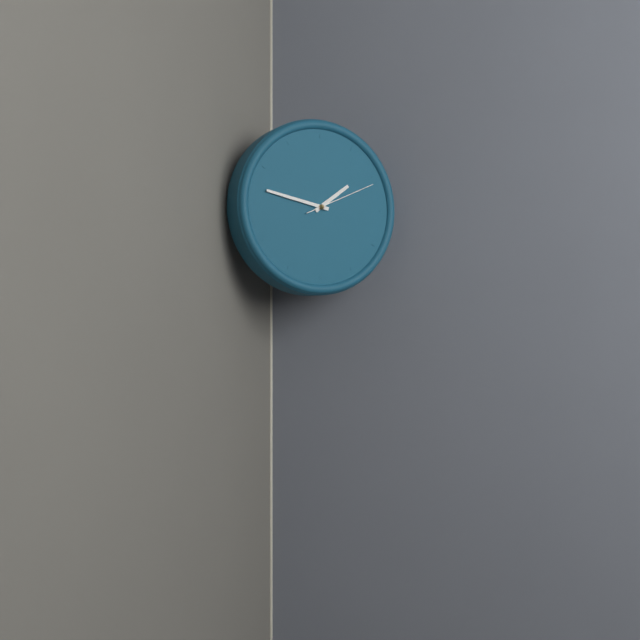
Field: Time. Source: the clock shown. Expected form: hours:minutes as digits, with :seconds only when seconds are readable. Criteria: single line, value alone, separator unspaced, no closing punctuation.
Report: 1:47:11
